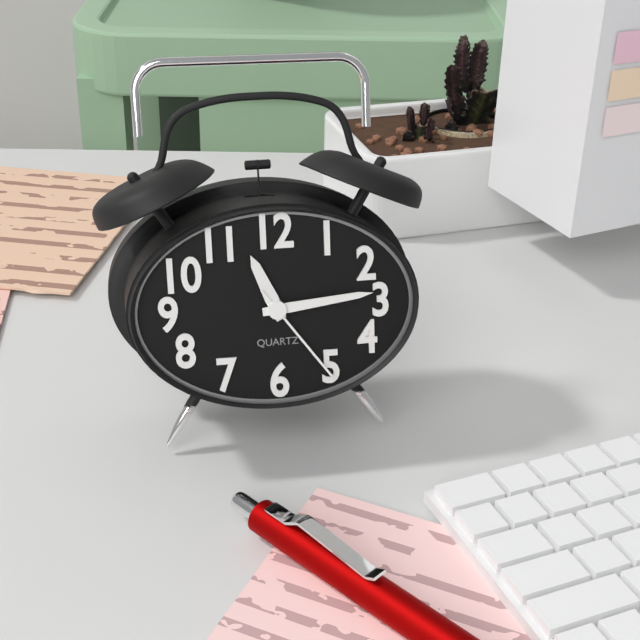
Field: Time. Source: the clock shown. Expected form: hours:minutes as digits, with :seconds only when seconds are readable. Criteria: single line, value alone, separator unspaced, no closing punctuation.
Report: 11:14:24
